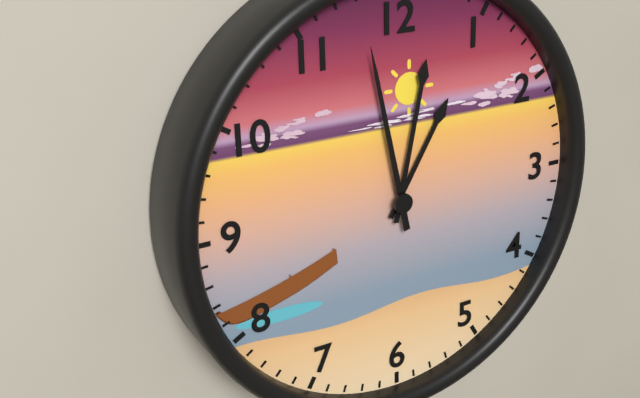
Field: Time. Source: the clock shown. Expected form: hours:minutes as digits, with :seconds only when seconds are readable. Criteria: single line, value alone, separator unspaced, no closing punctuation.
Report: 1:02:58
